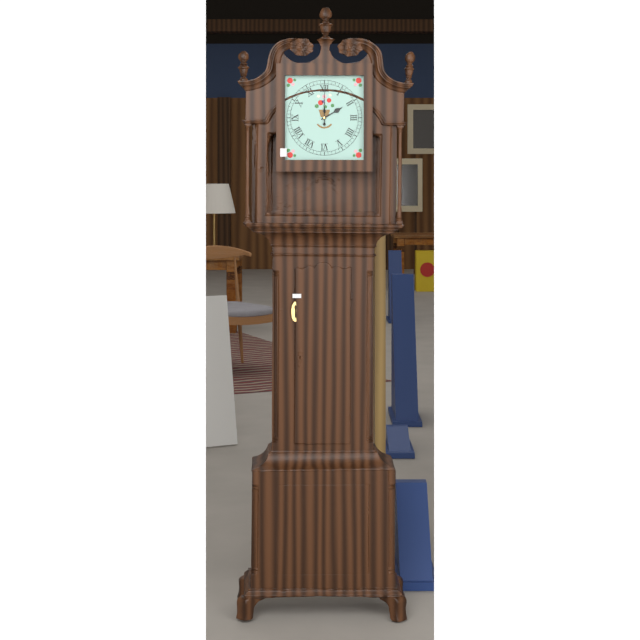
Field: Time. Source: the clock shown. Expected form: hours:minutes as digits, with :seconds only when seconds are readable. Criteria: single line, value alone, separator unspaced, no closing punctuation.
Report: 2:00
